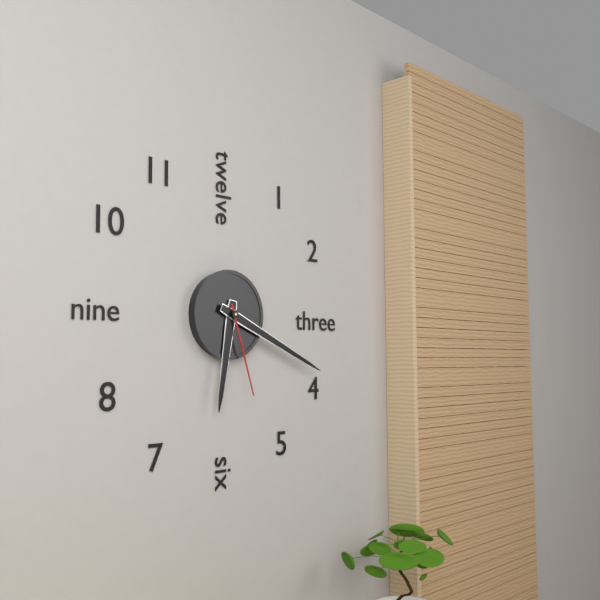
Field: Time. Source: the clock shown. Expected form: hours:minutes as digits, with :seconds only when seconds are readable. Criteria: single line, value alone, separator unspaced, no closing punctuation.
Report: 6:19:27
